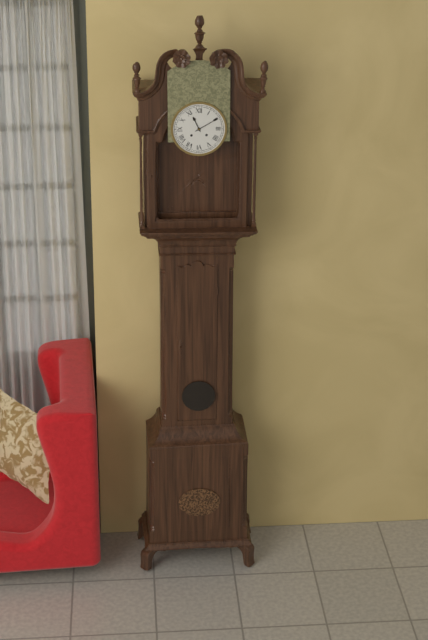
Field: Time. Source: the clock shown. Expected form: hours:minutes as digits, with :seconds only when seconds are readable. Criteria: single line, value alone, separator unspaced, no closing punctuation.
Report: 11:10
